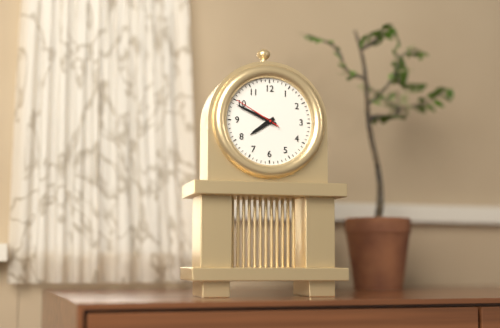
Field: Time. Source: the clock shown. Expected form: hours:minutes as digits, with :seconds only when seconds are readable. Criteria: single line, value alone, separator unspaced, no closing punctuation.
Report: 7:49
